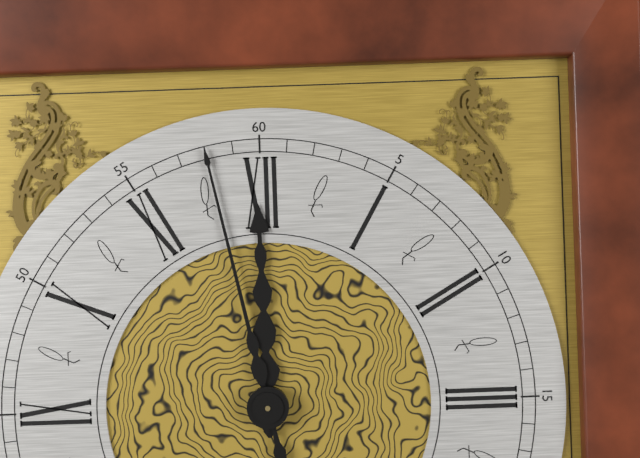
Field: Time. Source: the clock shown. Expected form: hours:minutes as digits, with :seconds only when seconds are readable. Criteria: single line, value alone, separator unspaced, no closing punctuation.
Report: 11:58
